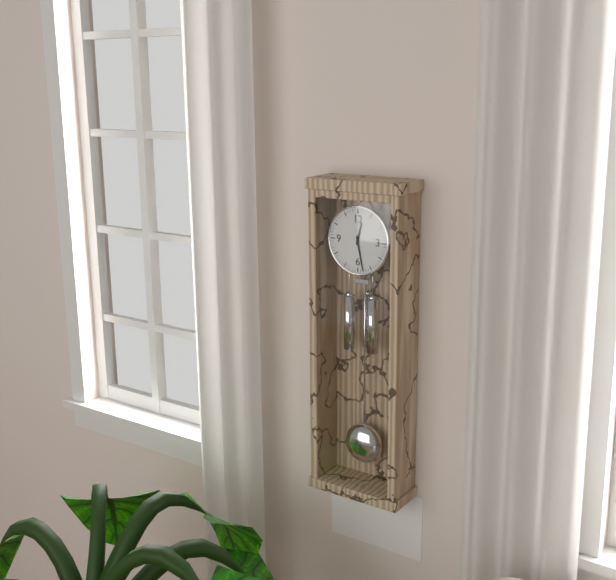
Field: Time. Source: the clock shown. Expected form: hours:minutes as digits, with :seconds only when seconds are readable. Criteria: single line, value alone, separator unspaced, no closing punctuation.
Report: 12:28
